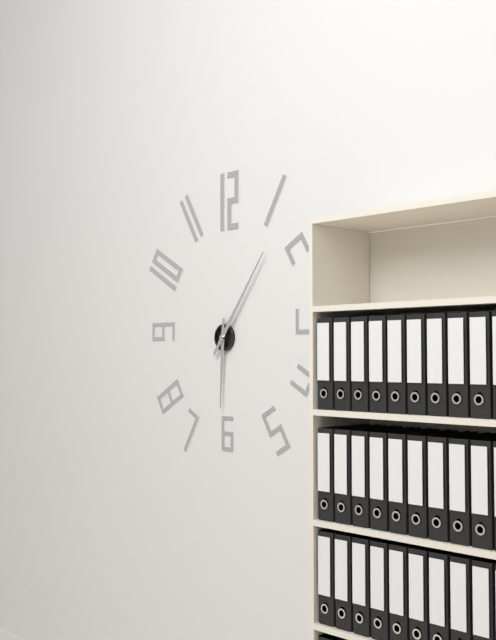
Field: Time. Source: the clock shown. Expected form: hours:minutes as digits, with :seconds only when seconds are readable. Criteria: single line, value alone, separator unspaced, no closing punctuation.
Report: 6:06
